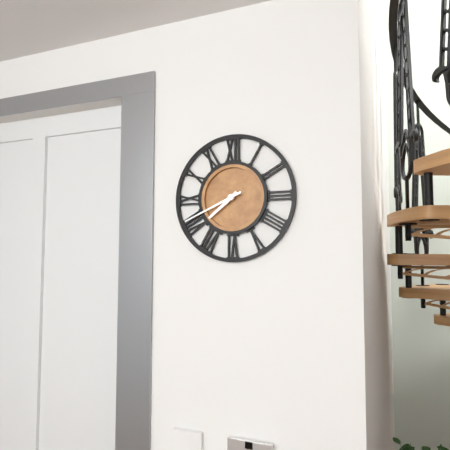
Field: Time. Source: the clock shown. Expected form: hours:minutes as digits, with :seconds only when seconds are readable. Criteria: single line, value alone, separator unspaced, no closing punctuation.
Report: 7:41
